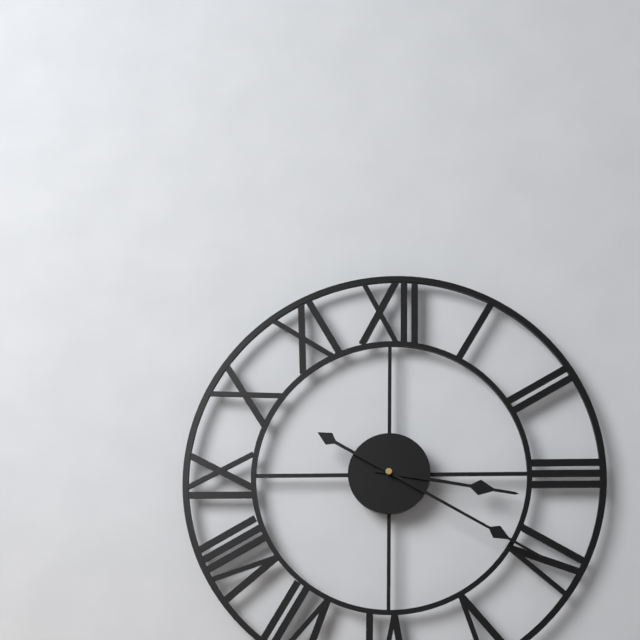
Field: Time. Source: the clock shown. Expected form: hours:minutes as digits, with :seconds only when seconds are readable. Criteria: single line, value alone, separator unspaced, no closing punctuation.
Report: 3:20
